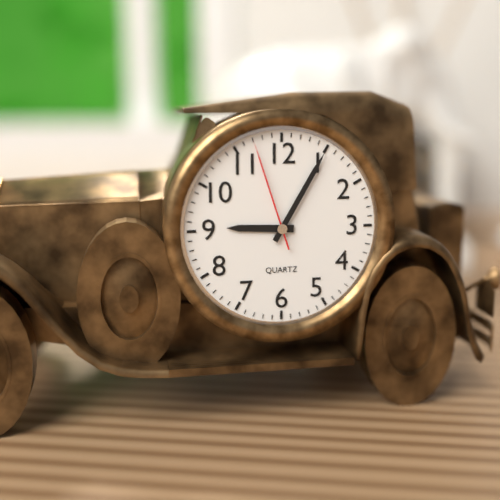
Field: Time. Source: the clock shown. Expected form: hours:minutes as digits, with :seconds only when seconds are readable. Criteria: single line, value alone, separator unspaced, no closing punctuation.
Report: 9:05:57
